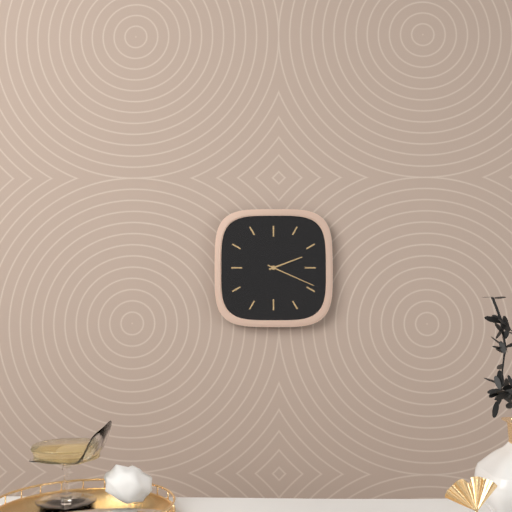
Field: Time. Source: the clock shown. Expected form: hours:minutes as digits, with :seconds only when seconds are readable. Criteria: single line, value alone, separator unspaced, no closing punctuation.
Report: 2:19
